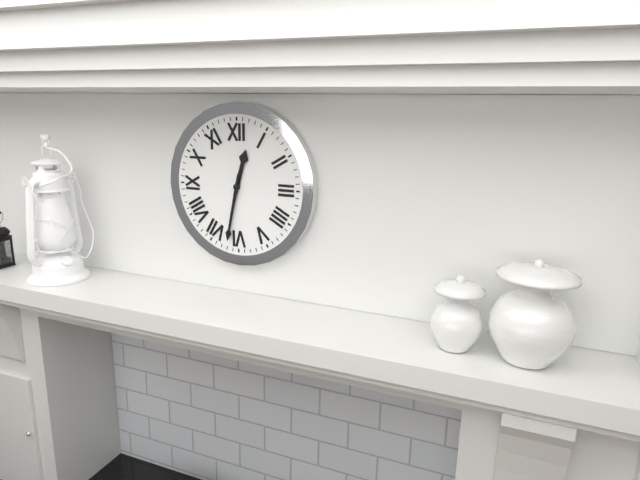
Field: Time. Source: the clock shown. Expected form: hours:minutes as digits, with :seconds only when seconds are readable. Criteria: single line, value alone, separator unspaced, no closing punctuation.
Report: 12:32
